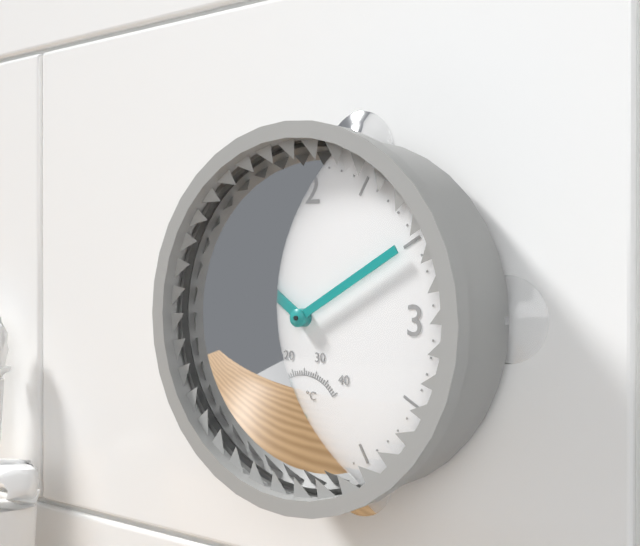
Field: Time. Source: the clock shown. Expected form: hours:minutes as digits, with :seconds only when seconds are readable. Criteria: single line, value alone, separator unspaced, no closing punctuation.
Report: 10:10
